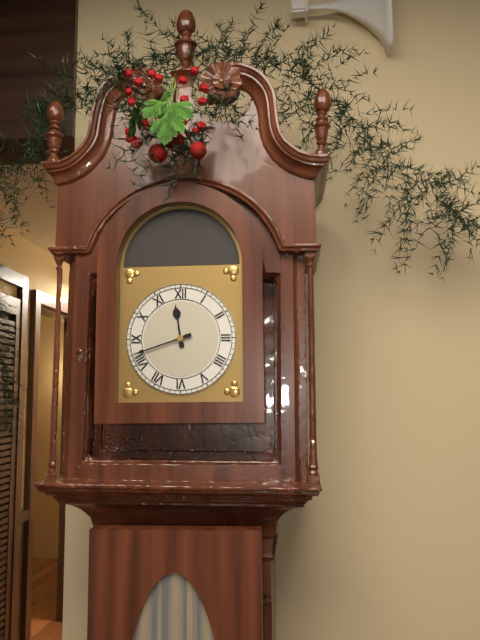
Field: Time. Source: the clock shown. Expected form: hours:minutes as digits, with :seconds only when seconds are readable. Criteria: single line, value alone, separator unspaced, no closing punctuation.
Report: 11:42
